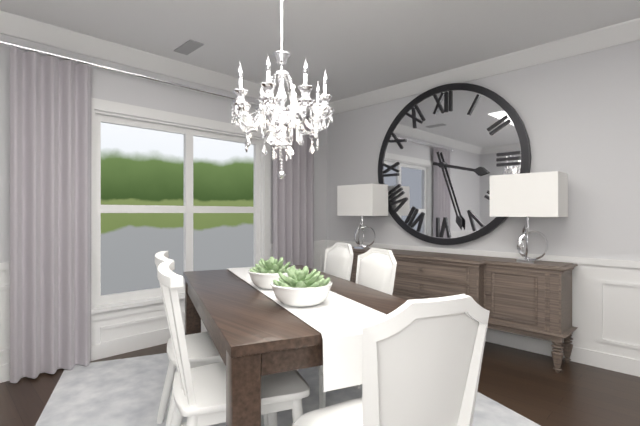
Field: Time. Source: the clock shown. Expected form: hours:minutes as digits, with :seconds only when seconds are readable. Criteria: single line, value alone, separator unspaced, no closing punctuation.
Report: 3:27
